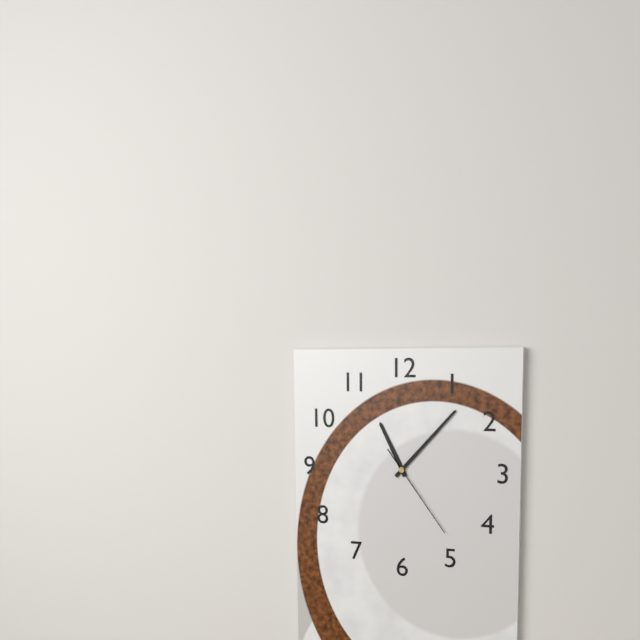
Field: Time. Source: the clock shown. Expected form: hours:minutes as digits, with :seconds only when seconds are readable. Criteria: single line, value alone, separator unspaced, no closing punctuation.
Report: 11:07:24
